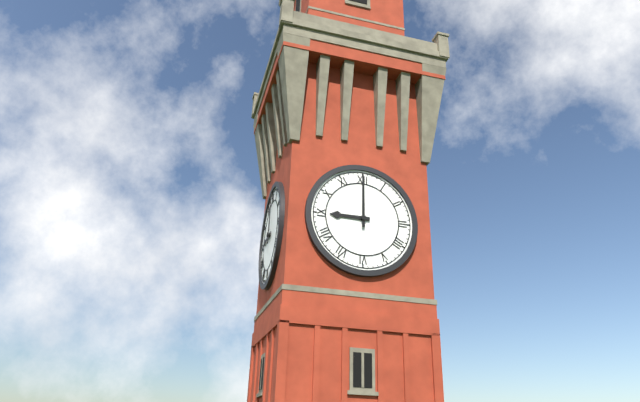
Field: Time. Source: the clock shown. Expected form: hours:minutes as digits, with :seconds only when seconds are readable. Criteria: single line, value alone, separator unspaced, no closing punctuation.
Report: 9:00
